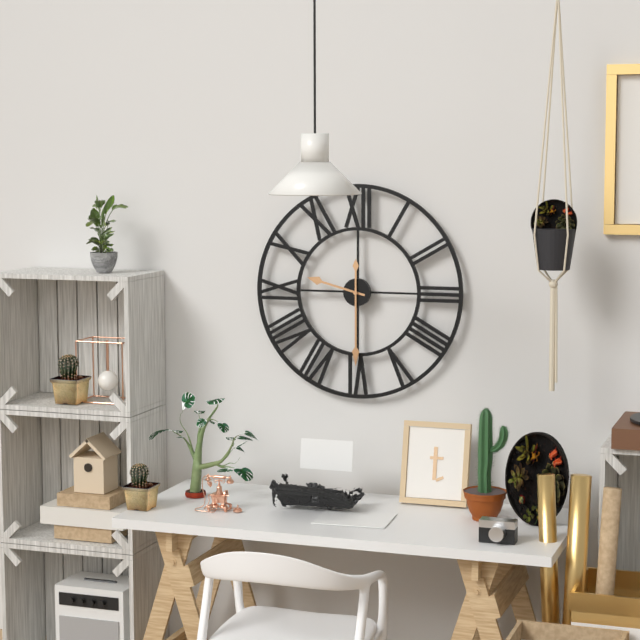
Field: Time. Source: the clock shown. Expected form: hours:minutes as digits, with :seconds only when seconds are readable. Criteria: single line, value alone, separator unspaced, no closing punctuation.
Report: 9:30
